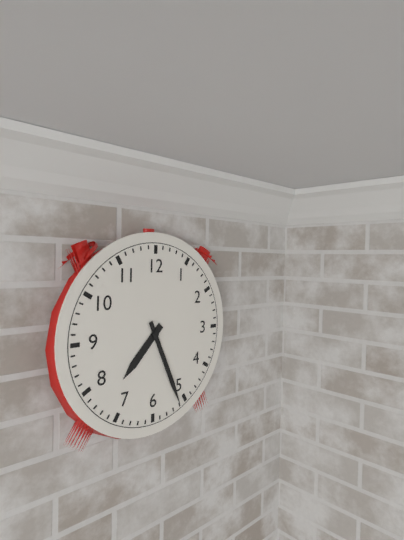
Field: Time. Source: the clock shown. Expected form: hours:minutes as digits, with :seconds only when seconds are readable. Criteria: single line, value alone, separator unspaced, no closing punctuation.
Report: 7:26
